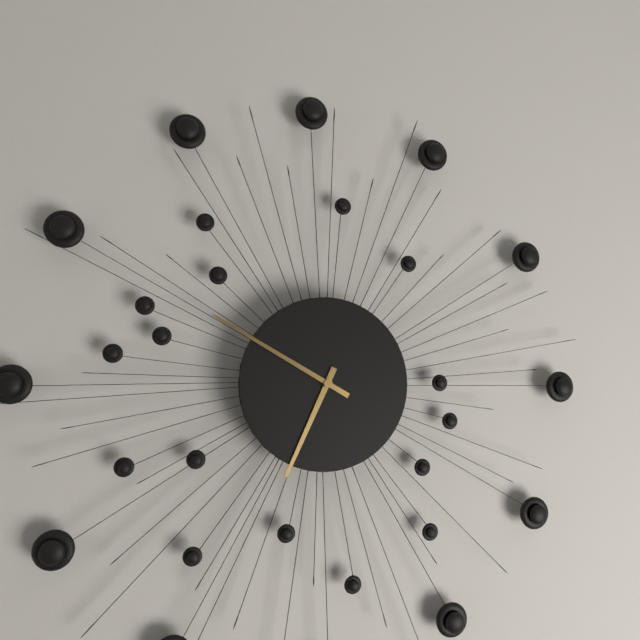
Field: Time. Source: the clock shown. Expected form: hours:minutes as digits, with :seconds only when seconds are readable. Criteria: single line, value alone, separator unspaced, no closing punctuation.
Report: 6:50
